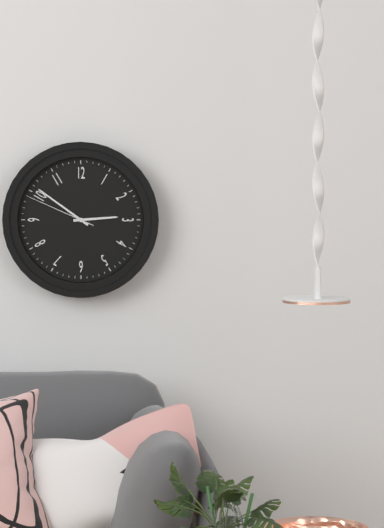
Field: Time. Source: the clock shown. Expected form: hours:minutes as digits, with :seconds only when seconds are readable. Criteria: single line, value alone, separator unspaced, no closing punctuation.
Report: 2:51:49
